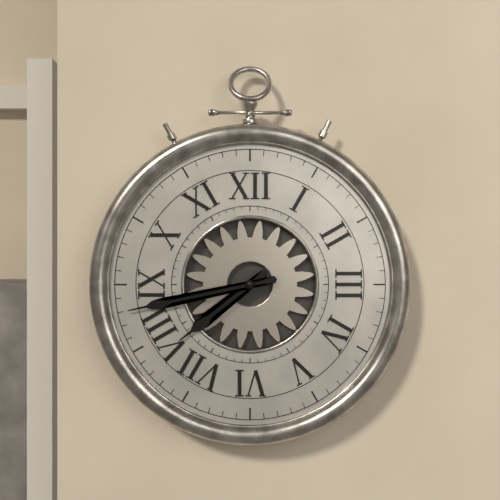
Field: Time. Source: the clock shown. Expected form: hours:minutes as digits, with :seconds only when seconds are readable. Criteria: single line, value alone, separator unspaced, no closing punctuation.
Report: 7:43
